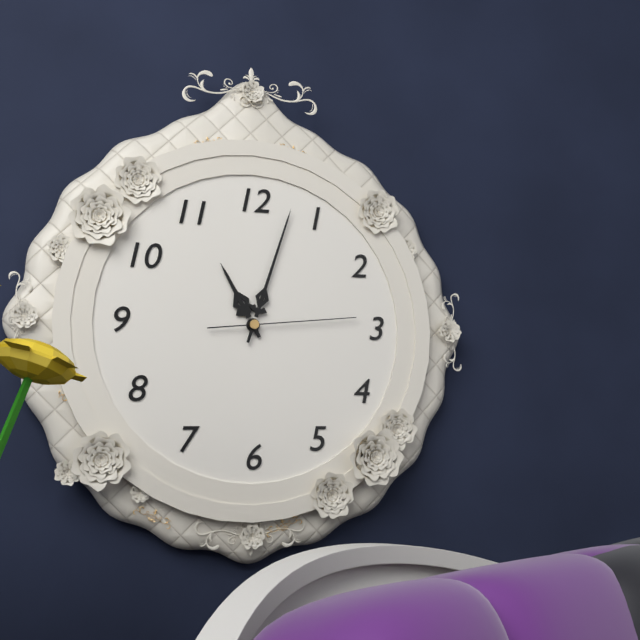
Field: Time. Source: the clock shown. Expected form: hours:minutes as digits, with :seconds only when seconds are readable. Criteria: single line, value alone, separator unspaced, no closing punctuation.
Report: 11:03:14
